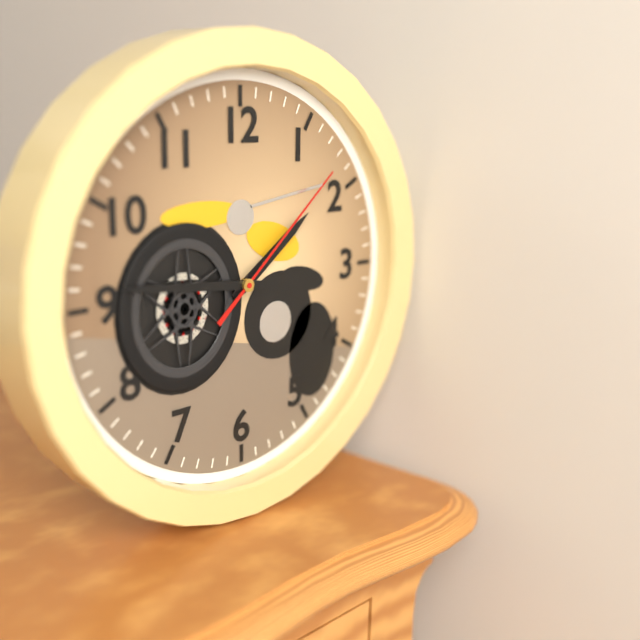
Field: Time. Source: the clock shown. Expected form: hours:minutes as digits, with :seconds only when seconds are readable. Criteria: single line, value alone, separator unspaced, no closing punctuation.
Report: 1:46:08
